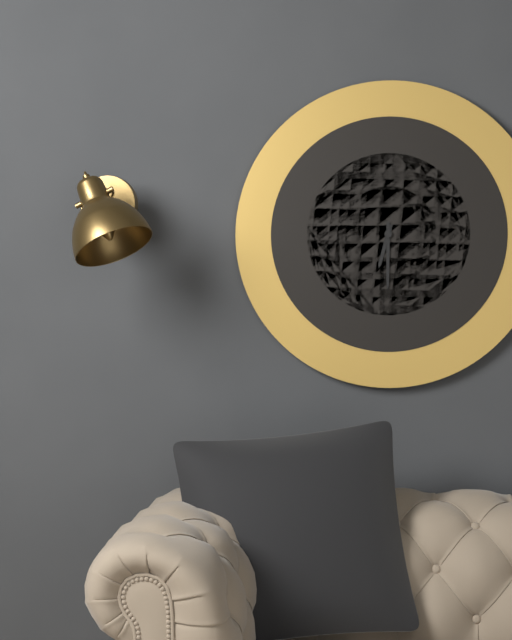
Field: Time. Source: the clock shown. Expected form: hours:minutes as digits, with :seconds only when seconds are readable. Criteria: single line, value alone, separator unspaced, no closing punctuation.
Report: 6:30
